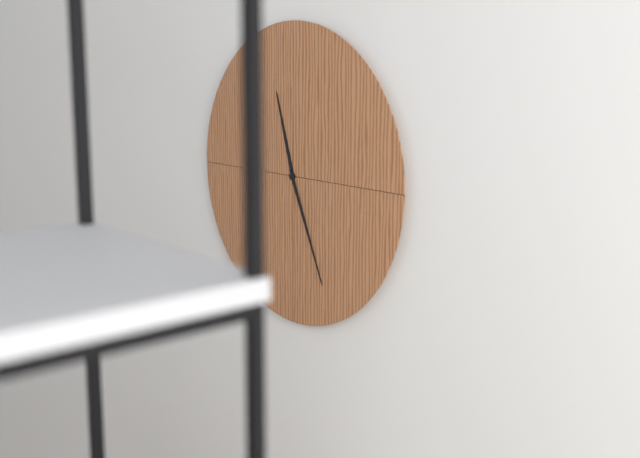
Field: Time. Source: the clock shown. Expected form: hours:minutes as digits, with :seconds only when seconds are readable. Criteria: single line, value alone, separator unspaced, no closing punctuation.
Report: 11:26
